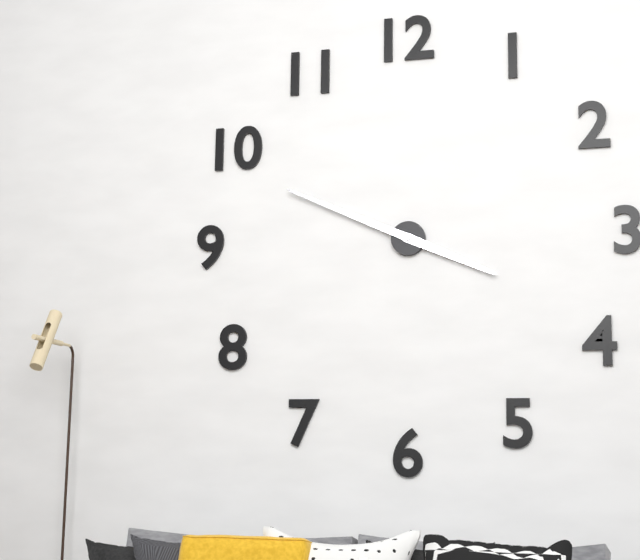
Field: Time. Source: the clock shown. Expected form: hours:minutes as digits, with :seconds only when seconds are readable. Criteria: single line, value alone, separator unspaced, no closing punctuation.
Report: 3:49
